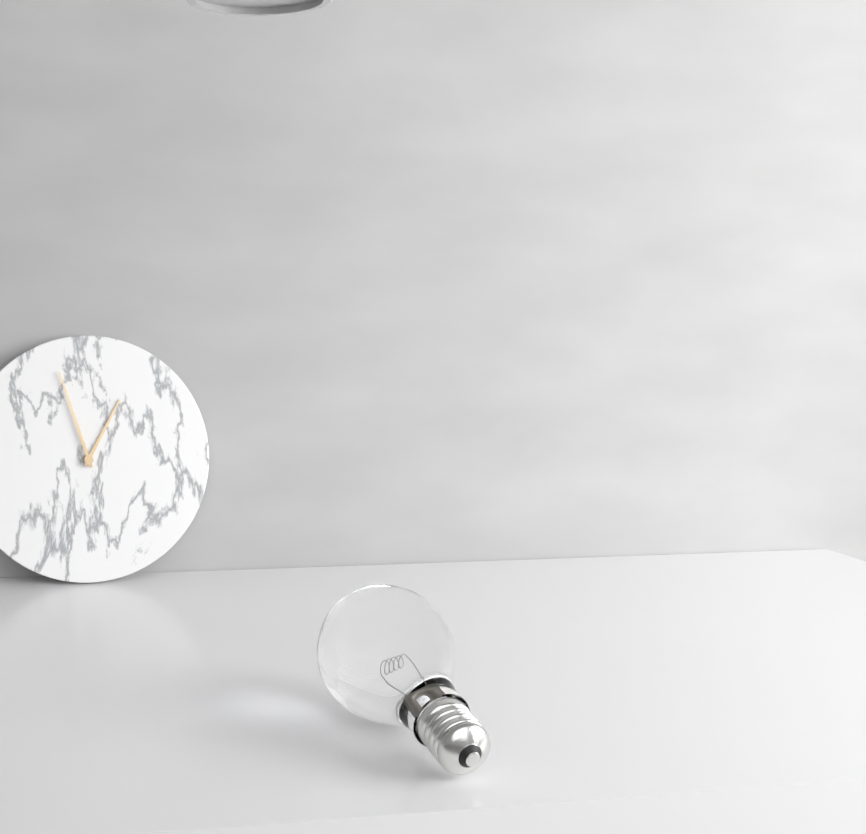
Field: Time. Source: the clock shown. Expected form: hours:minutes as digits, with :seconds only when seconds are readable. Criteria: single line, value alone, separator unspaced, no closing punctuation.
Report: 12:57
